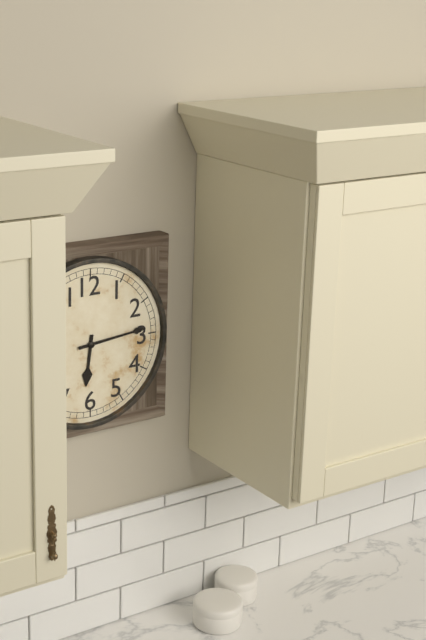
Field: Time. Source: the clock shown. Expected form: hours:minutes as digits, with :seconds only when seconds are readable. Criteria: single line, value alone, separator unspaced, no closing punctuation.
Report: 6:14
